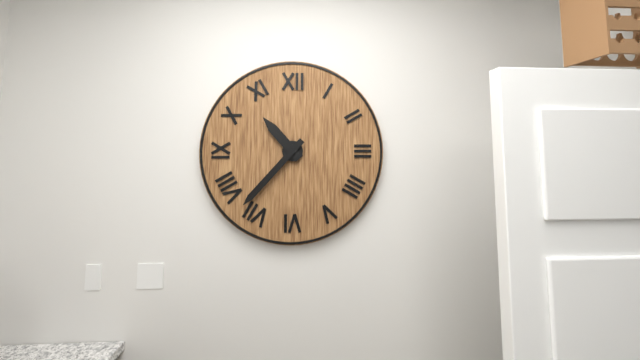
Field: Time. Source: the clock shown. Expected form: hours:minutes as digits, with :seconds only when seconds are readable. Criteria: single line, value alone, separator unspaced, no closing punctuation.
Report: 10:37
